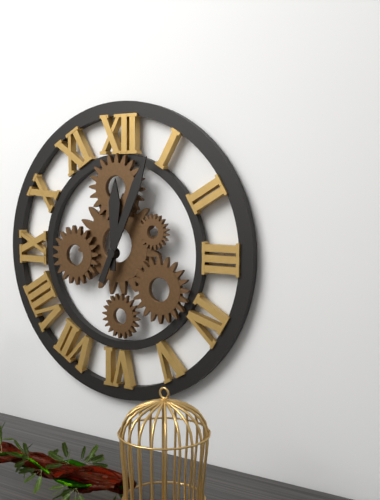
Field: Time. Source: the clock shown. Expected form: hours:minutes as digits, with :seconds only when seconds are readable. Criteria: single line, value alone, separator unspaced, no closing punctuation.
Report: 12:04
